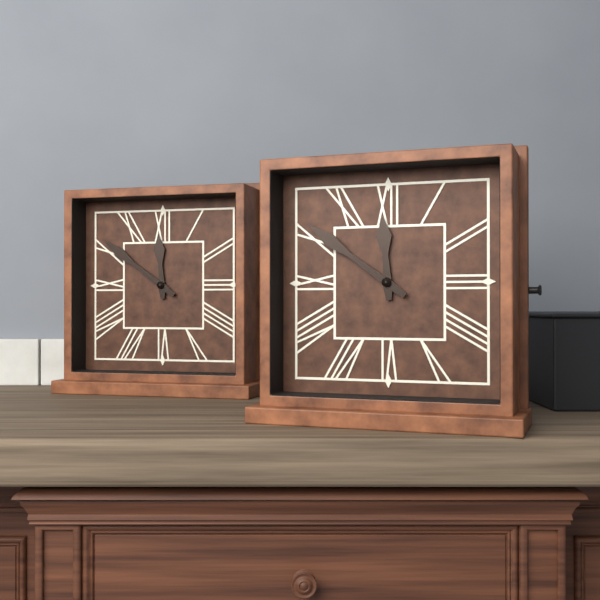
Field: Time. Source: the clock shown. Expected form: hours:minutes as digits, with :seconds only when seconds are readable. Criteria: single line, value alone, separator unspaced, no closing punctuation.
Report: 11:51
